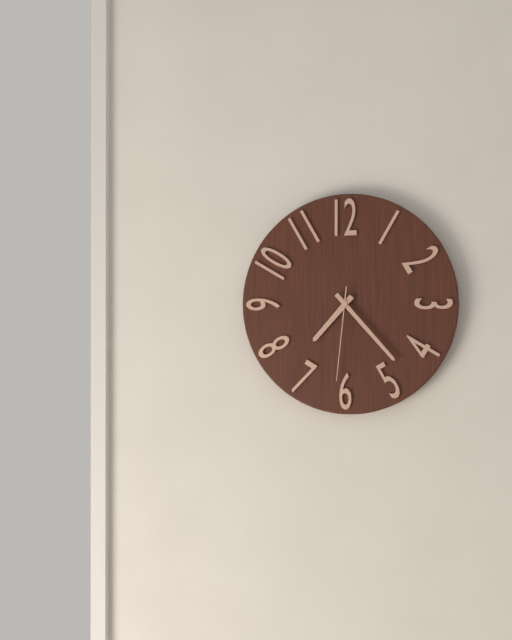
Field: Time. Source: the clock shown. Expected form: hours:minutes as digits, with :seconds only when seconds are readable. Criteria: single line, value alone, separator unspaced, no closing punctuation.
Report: 7:23:31
